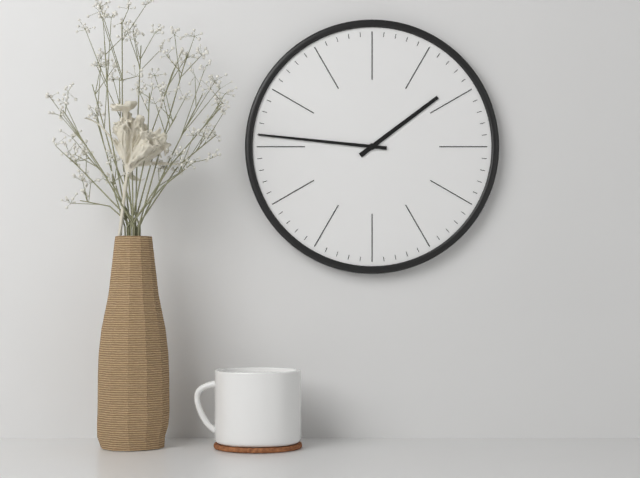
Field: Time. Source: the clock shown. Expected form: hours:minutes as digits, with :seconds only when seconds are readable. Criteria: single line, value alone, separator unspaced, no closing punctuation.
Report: 1:46
